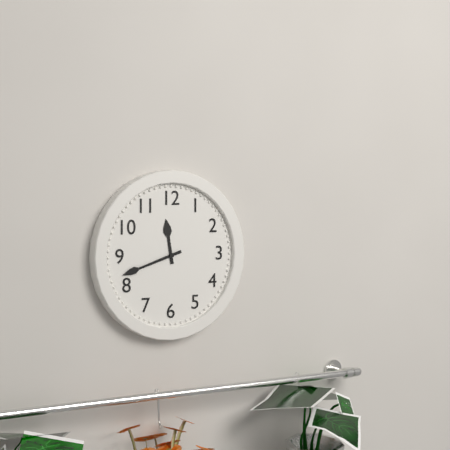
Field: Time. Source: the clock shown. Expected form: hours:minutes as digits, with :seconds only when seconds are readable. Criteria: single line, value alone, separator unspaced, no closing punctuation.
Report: 11:42
